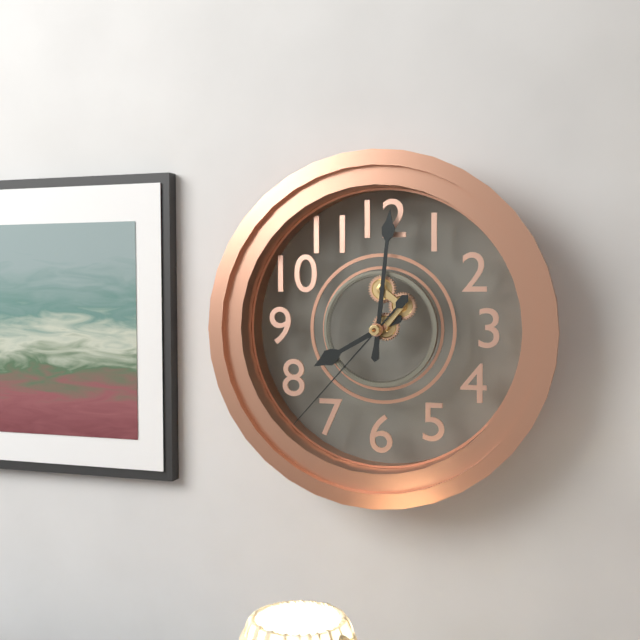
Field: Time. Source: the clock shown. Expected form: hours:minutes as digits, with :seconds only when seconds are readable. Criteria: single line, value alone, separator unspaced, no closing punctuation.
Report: 8:01:37
